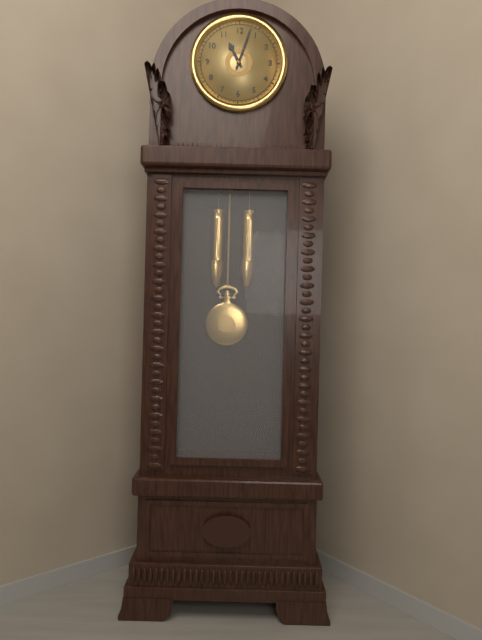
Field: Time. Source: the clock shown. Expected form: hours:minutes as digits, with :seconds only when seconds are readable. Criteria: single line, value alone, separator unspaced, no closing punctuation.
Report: 11:03
